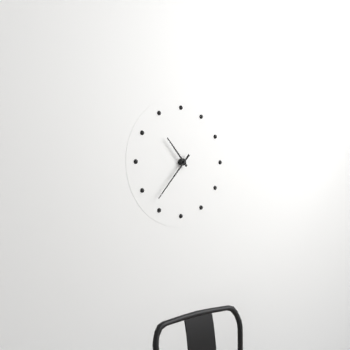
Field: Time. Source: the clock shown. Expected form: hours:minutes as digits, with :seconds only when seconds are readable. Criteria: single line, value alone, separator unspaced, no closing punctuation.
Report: 10:37
